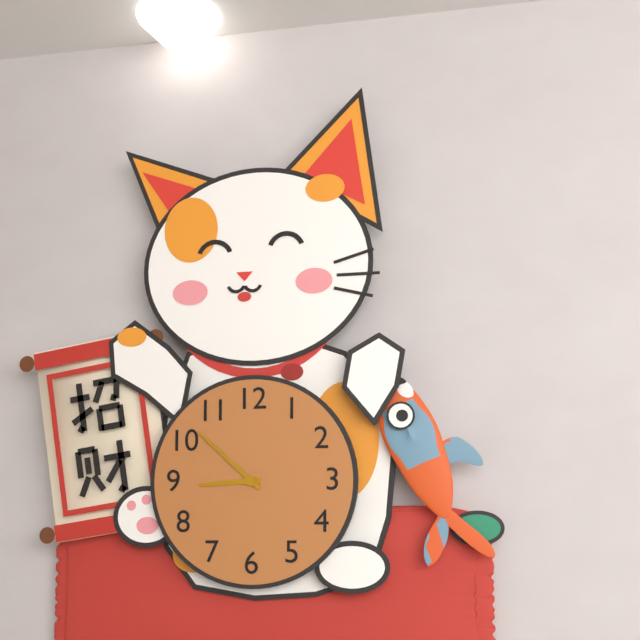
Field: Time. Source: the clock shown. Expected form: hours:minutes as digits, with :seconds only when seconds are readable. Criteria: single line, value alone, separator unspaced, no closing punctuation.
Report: 8:52
